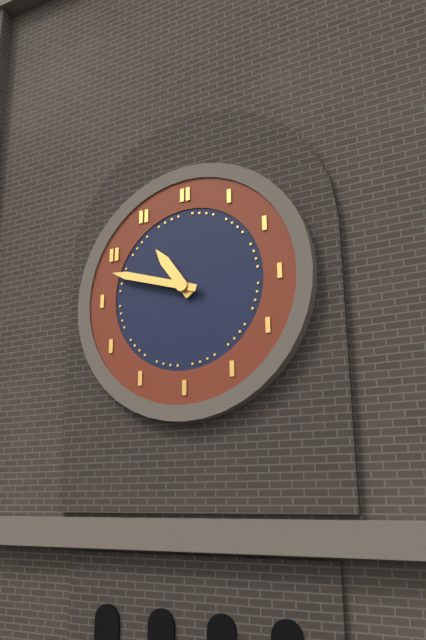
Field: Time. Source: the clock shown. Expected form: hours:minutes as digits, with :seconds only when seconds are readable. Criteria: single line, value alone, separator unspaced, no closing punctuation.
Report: 10:48
